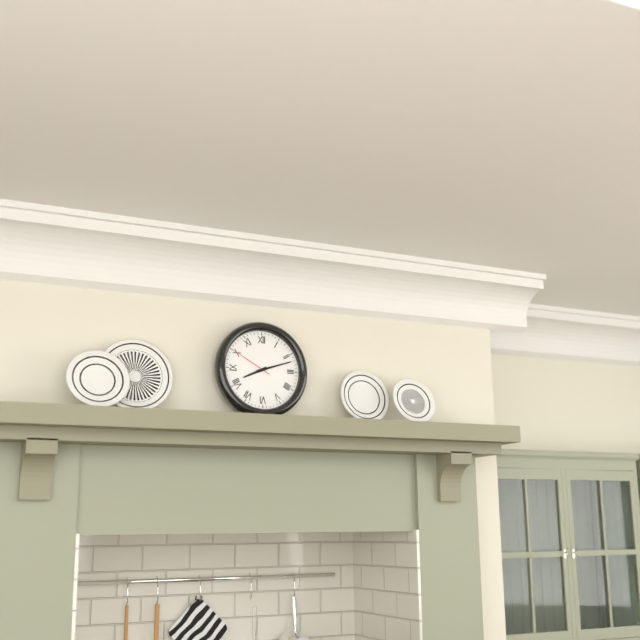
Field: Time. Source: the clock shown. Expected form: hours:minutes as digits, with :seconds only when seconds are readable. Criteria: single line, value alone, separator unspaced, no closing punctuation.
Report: 8:12
